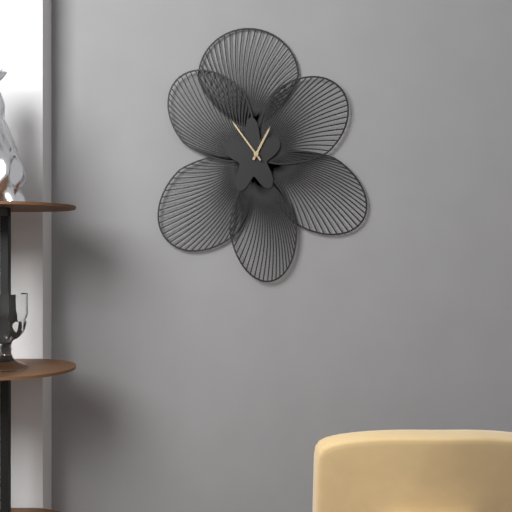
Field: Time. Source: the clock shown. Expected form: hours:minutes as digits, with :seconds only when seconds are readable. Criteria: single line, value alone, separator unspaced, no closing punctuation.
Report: 12:54
